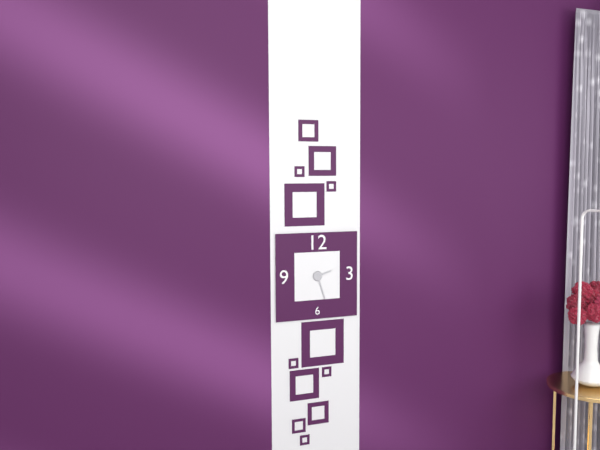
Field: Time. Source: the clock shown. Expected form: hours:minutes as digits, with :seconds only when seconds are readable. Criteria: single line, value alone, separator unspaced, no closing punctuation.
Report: 2:27
